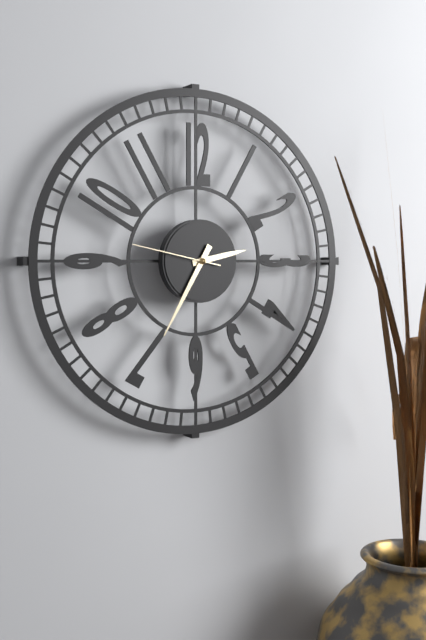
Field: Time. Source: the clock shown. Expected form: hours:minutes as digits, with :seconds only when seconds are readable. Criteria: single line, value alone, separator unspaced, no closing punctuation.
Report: 2:35:47
